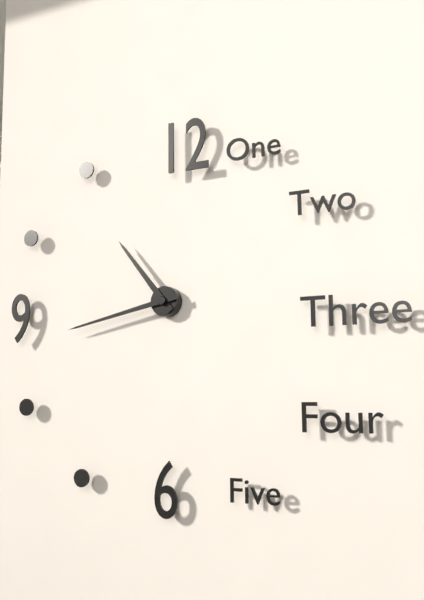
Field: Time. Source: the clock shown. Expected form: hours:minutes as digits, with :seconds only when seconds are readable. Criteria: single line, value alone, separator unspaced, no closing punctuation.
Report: 10:43
